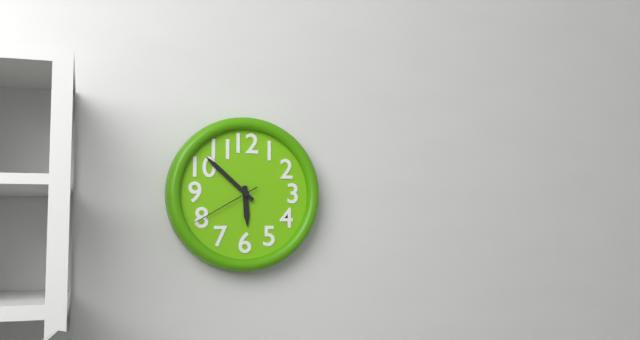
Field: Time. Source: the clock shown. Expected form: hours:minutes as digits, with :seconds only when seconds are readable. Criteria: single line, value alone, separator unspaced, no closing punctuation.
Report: 5:52:40
